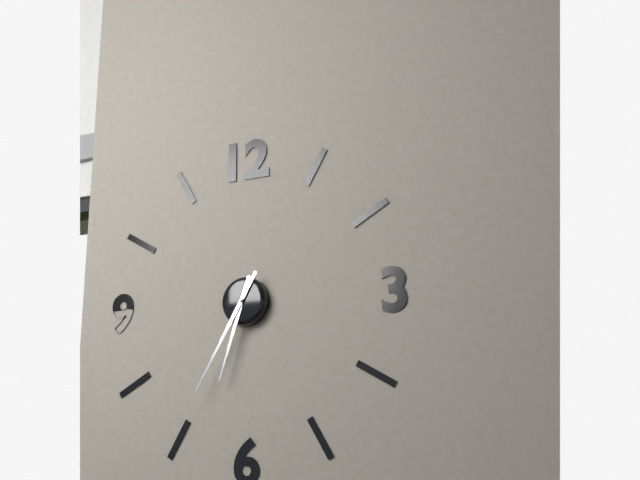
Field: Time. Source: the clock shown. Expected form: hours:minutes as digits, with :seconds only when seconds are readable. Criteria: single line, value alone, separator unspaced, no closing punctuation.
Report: 6:35
